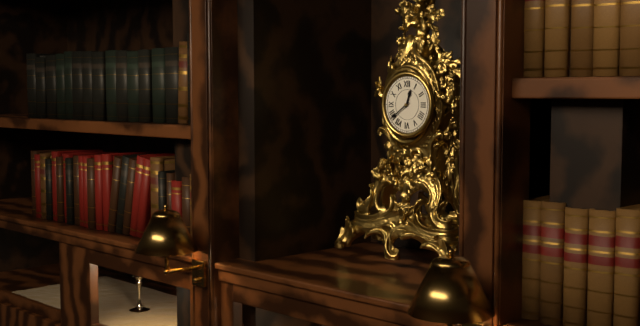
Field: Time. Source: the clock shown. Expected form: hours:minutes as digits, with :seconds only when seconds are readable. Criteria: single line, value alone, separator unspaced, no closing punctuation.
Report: 12:39
